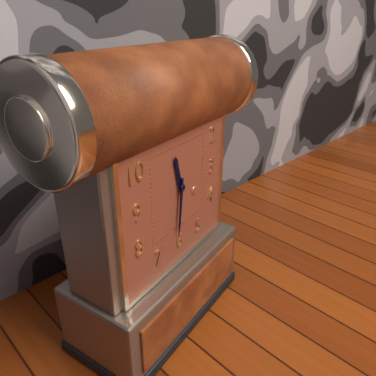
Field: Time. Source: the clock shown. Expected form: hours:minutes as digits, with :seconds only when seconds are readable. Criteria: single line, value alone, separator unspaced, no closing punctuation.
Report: 11:31
